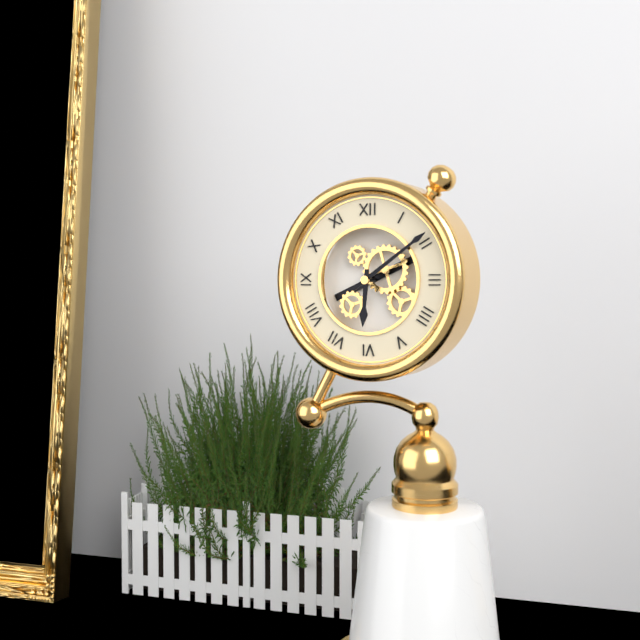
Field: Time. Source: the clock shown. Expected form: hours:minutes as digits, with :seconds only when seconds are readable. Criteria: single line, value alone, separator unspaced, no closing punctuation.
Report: 6:09
